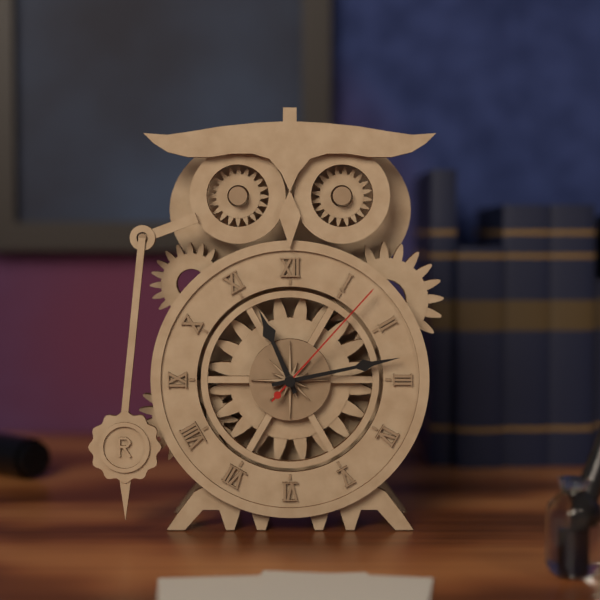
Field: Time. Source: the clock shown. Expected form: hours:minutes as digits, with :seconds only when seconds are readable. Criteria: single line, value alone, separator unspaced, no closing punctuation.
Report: 11:13:07
